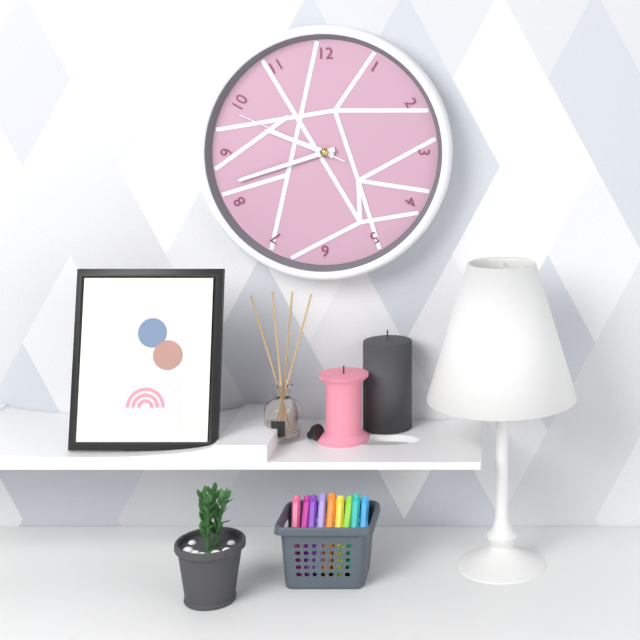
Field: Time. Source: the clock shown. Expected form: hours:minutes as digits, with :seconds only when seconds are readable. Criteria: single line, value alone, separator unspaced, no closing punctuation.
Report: 9:42:49
